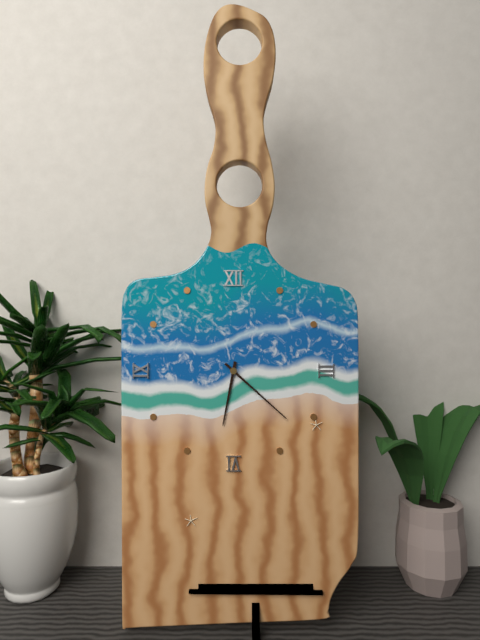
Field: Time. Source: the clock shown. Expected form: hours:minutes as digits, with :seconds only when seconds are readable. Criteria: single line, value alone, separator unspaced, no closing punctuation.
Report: 6:22
